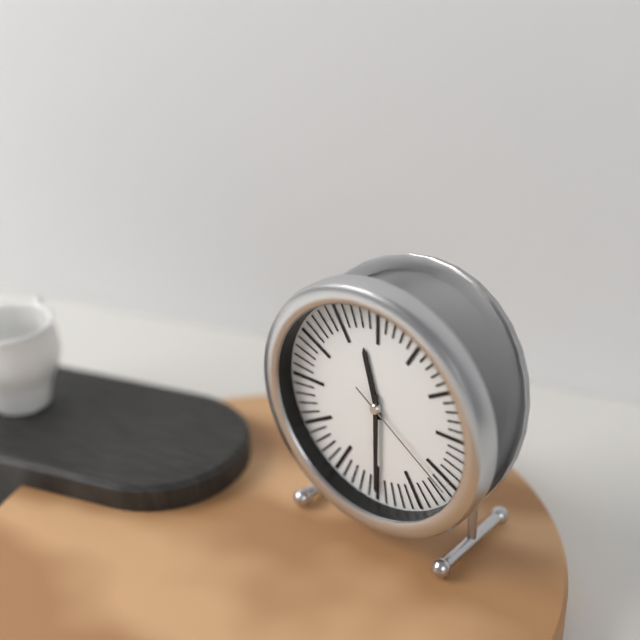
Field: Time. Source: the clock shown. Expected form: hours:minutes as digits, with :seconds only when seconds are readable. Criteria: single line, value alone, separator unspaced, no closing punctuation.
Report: 11:30:21
